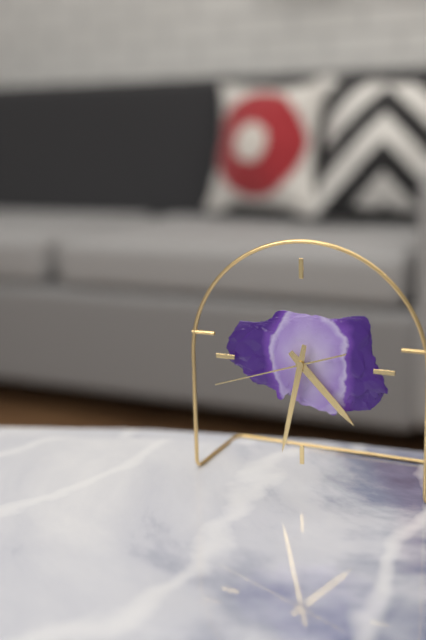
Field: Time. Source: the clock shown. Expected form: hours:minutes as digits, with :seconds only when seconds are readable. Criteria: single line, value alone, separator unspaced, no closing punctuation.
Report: 4:32:42
